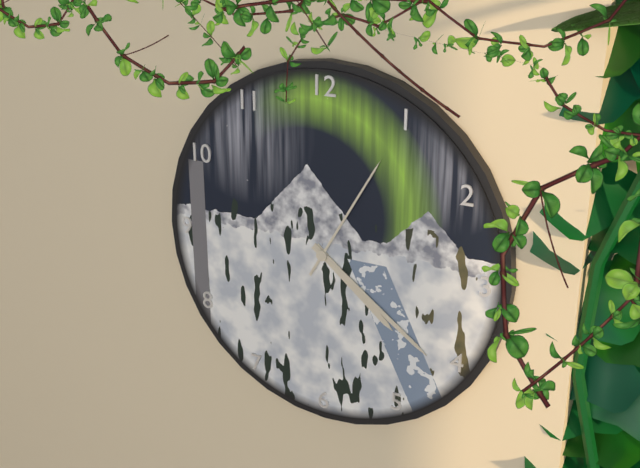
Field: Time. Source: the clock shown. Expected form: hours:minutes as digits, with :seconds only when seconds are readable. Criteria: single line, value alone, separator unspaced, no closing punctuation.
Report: 4:21:05
